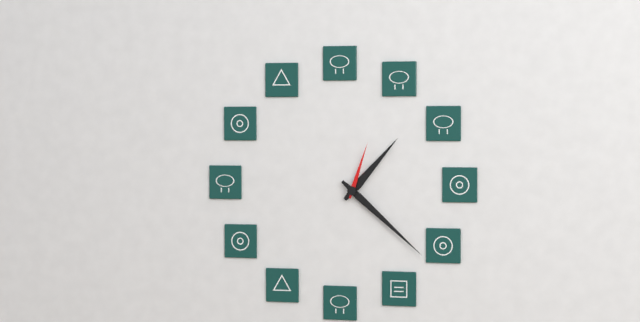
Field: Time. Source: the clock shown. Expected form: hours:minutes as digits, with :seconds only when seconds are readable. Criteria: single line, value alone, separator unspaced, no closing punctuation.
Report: 1:22:03
